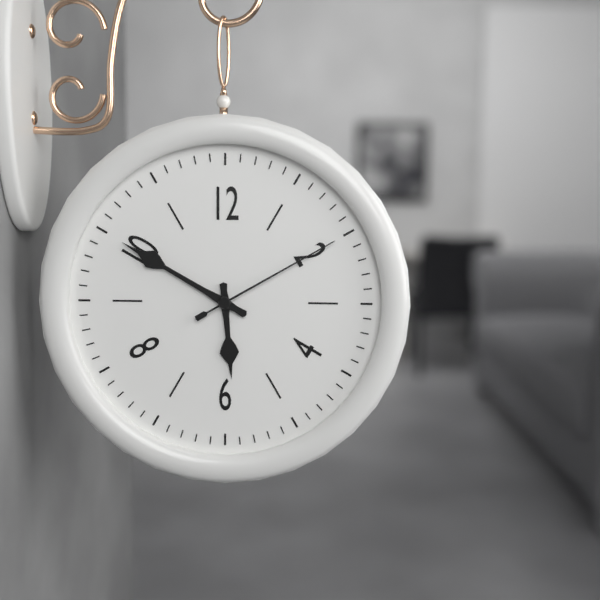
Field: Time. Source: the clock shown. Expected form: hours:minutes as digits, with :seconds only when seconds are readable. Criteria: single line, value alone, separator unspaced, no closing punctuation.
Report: 5:50:10
